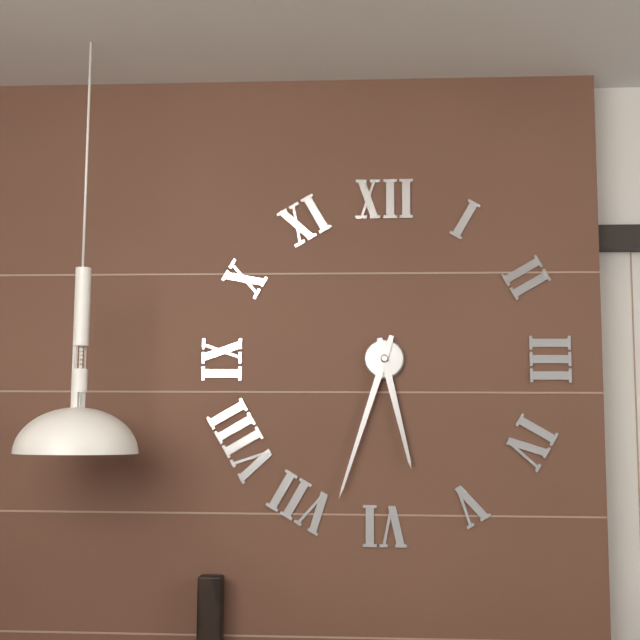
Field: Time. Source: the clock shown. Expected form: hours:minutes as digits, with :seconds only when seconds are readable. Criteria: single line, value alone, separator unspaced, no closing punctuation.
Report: 5:33
